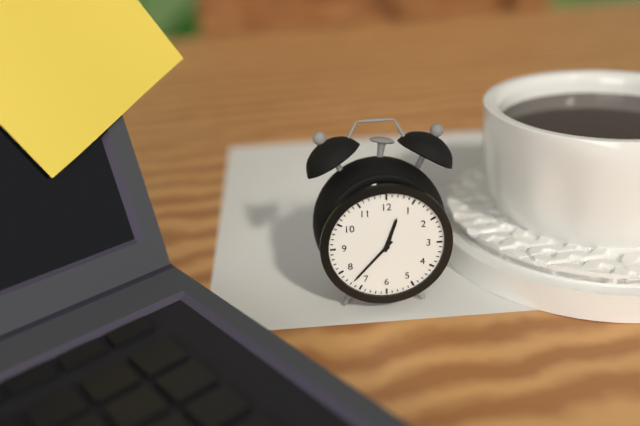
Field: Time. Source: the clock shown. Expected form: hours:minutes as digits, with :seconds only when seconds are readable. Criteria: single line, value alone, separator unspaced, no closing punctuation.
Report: 12:37
